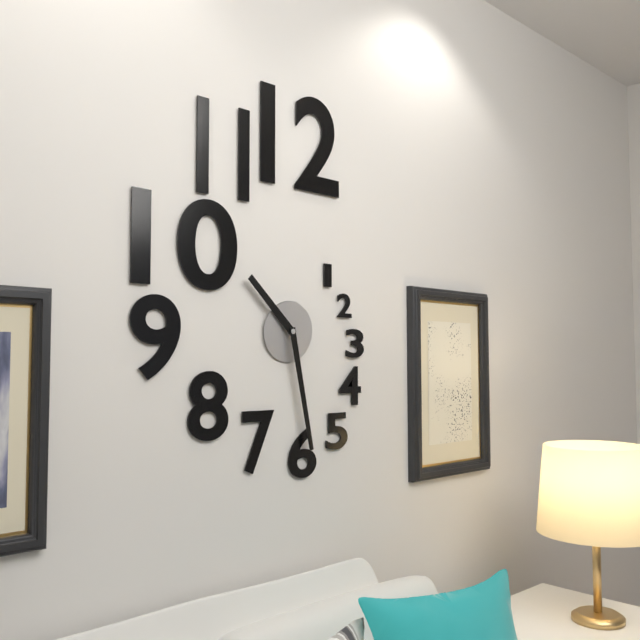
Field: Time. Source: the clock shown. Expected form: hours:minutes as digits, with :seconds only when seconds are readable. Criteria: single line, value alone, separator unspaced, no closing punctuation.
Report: 10:28
